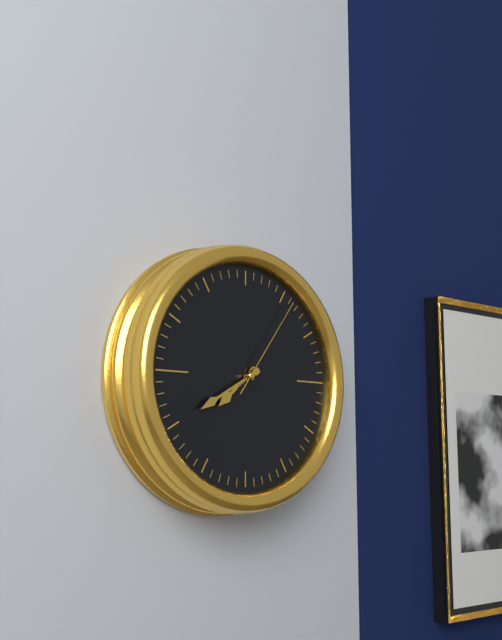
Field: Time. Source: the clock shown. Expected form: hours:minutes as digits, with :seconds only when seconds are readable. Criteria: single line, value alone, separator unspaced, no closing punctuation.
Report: 7:40:06
